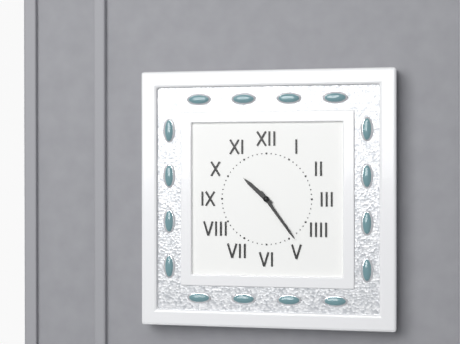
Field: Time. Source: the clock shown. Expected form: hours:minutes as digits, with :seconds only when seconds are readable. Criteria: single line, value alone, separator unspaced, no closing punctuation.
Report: 10:24
